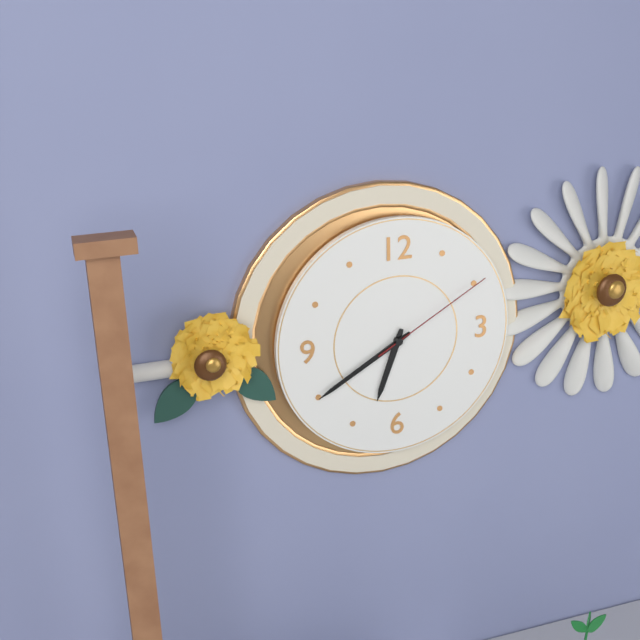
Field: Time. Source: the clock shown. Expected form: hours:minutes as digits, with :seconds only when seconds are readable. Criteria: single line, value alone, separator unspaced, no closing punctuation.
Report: 6:40:10
